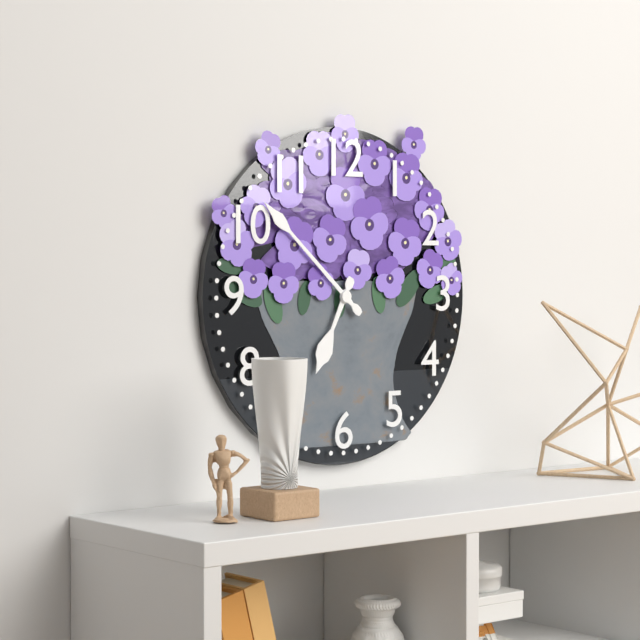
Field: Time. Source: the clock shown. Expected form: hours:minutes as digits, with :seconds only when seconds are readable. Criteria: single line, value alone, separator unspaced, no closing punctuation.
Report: 6:52
